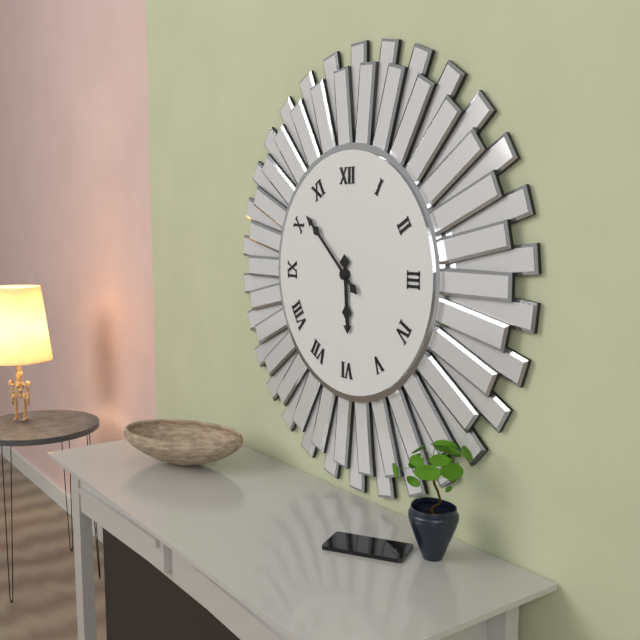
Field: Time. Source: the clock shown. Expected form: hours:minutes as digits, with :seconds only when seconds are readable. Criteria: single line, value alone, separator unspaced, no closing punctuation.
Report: 5:52
